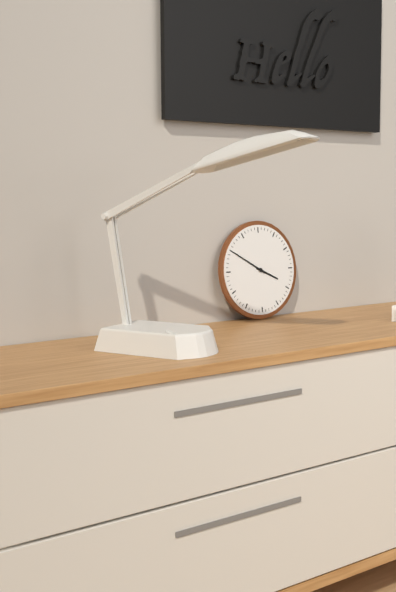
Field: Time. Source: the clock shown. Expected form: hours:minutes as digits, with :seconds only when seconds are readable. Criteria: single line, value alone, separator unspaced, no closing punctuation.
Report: 3:50
